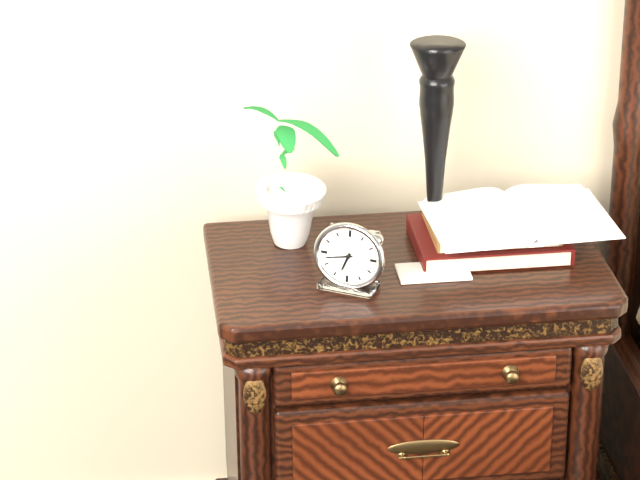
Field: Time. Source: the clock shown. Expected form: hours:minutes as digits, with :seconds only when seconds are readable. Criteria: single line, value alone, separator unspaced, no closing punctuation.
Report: 6:43
